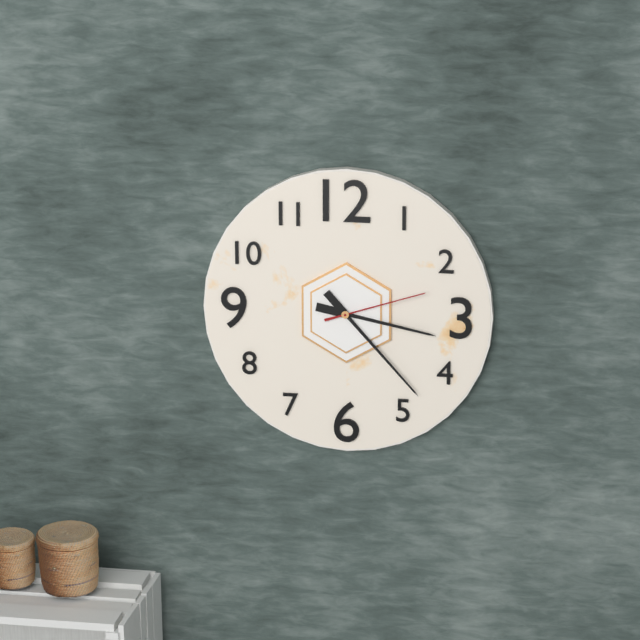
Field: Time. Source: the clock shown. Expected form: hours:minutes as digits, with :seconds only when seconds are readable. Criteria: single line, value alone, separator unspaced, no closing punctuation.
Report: 3:23:12
